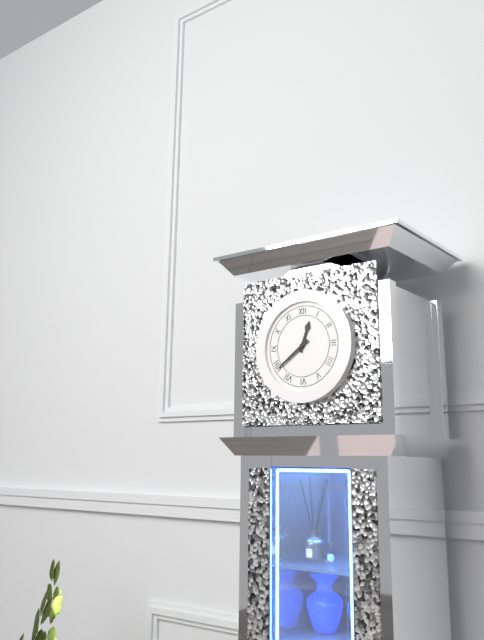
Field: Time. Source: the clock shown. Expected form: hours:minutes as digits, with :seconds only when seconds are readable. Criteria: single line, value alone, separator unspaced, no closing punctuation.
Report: 12:39
